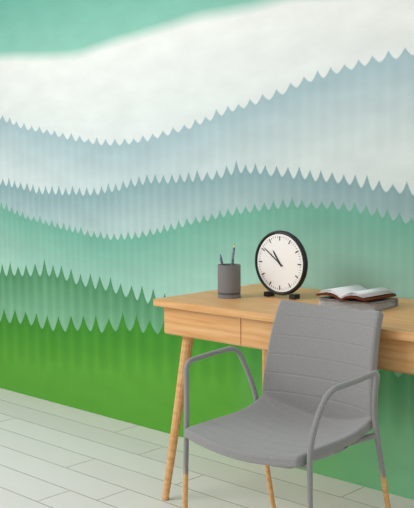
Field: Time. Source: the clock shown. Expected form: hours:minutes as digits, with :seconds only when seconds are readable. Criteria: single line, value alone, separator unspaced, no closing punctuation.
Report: 10:51
